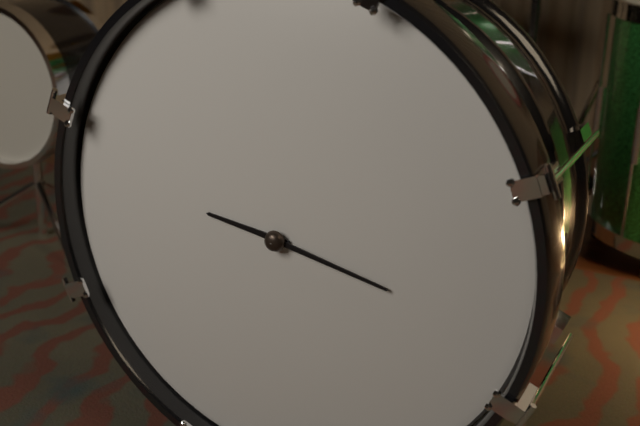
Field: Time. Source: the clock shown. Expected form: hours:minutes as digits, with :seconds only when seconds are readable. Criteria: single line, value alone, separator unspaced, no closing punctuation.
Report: 9:17
